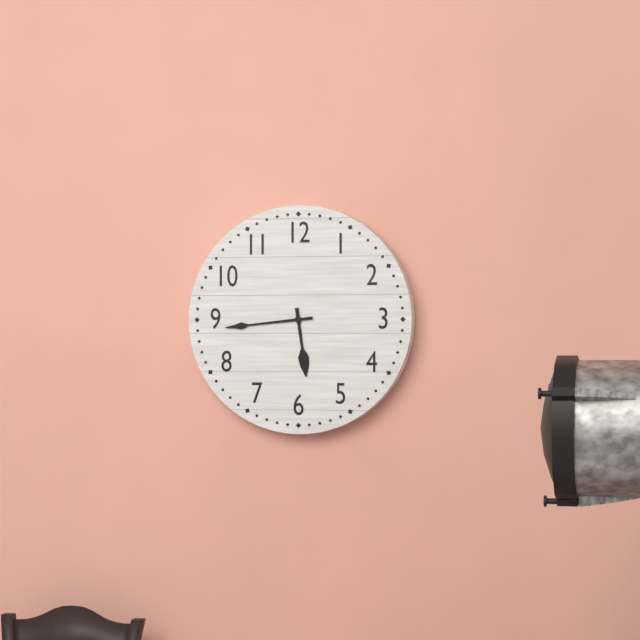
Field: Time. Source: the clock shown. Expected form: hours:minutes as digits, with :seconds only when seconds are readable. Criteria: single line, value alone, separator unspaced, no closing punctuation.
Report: 5:44
